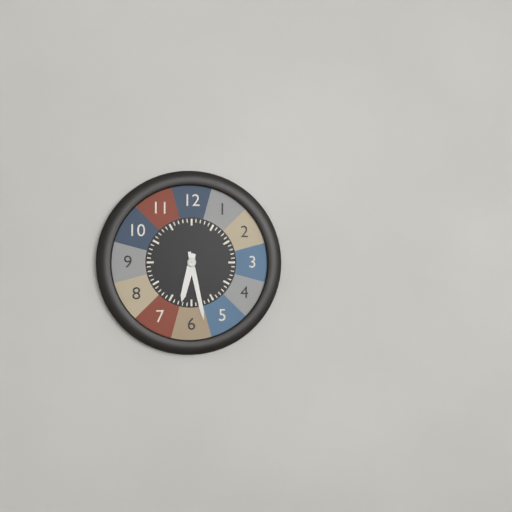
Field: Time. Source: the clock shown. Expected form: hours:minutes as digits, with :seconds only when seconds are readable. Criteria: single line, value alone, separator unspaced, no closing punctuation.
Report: 6:28
